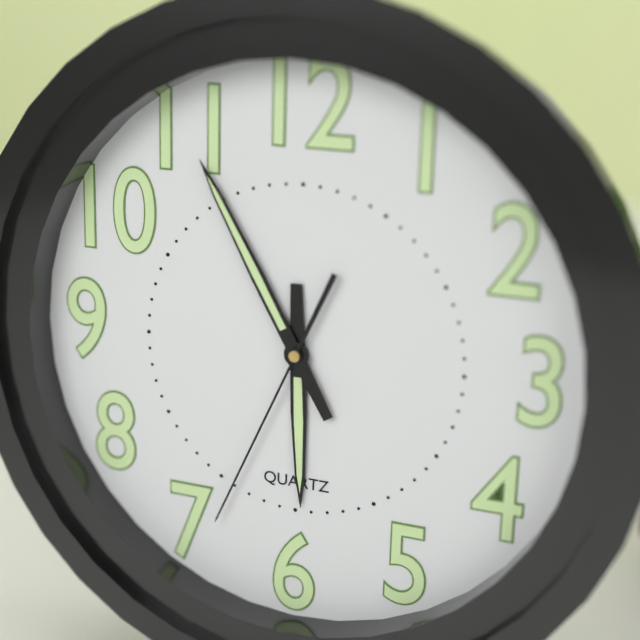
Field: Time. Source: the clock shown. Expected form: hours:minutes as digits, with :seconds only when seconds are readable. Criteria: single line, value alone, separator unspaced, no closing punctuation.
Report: 5:55:34
